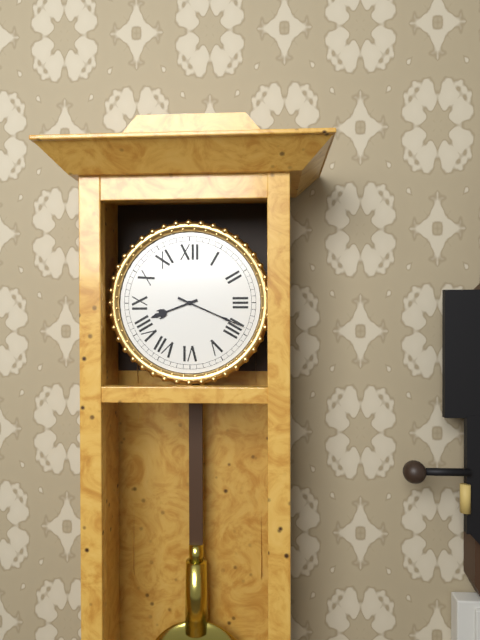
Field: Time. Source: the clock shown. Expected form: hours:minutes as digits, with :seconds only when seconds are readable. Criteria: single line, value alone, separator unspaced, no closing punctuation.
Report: 8:19
